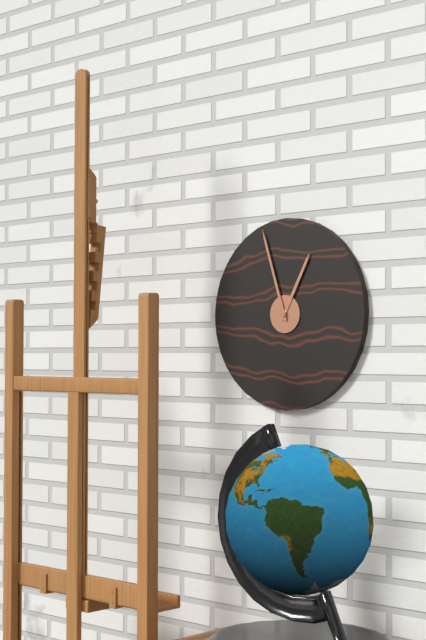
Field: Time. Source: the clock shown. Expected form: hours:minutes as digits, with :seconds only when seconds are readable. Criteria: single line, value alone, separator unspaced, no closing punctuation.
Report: 12:57
